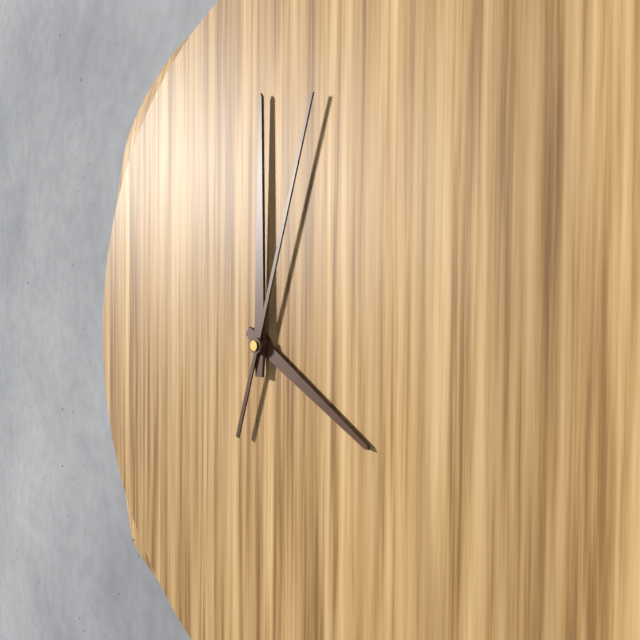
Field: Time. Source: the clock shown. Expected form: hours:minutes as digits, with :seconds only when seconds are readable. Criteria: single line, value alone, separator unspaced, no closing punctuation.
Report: 4:00:03
